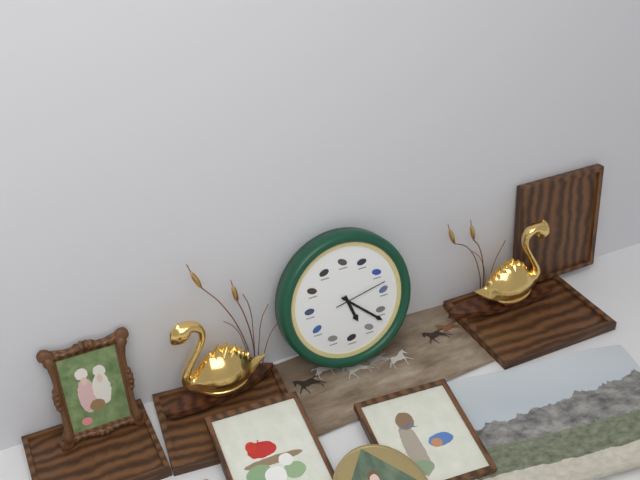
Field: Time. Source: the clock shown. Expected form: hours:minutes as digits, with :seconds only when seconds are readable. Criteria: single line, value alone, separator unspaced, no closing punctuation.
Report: 5:22:13
